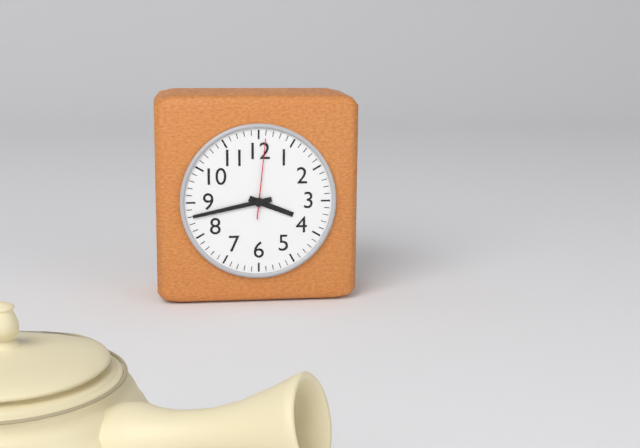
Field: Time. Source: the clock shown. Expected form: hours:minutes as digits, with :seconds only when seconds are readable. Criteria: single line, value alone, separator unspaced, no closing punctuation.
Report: 3:43:01
